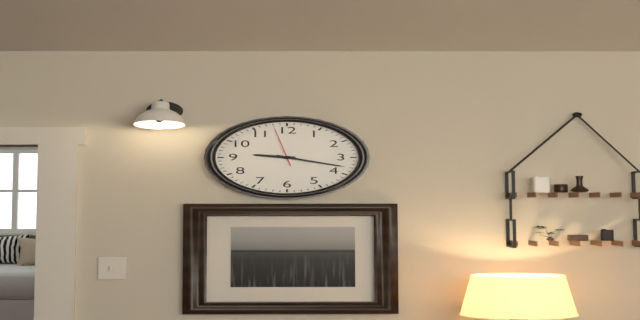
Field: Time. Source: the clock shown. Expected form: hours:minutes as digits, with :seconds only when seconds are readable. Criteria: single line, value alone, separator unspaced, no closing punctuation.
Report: 9:18
